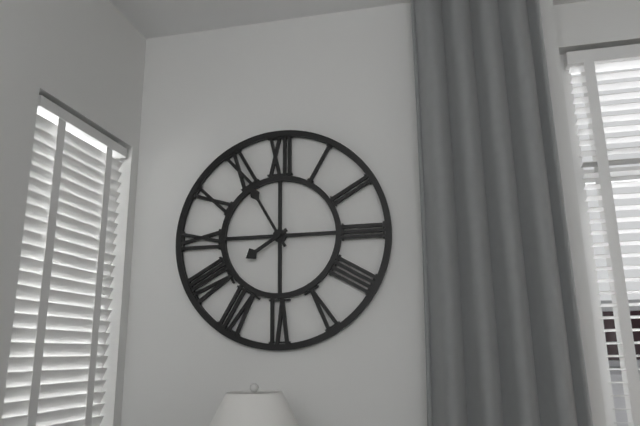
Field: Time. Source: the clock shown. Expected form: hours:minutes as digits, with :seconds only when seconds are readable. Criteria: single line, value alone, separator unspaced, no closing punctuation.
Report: 7:55
